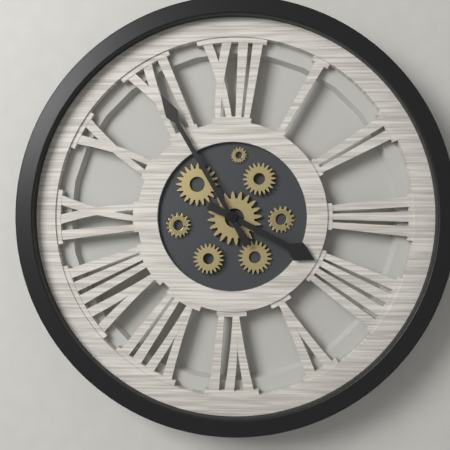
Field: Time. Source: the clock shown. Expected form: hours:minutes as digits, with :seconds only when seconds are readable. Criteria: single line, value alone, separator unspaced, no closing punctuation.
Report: 3:55
